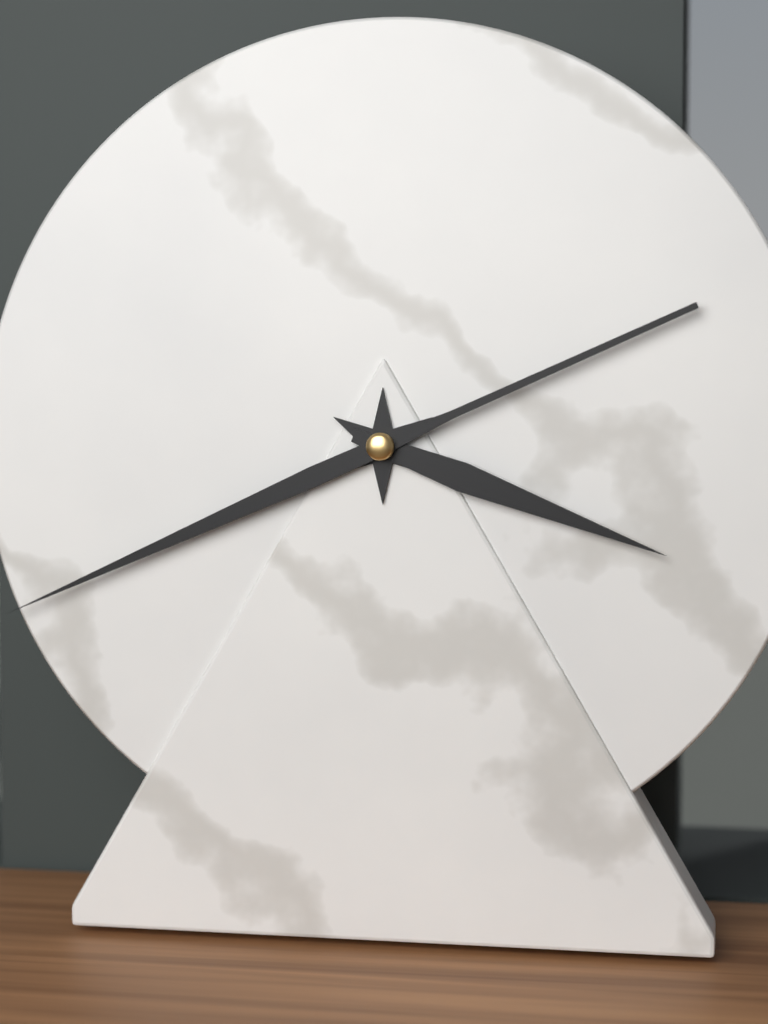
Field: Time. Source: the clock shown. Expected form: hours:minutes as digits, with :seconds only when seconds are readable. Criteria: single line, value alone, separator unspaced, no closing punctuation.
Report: 3:41
